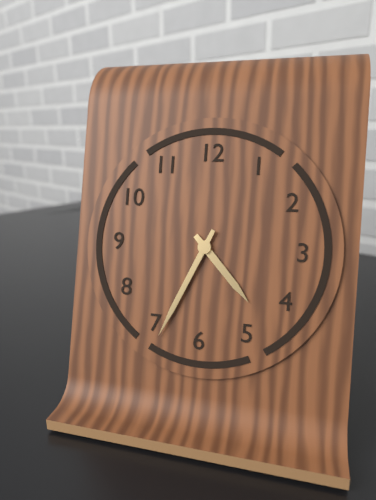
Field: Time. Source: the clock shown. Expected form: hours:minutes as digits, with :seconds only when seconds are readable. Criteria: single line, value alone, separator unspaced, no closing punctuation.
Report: 4:34
